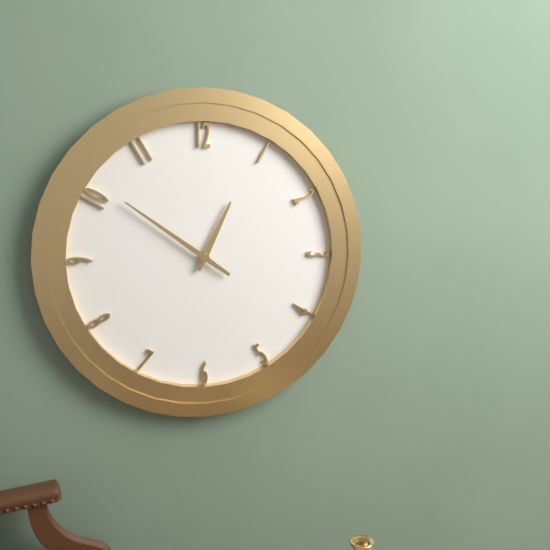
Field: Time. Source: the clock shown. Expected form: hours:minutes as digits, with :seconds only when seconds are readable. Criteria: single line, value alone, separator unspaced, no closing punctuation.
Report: 12:51
